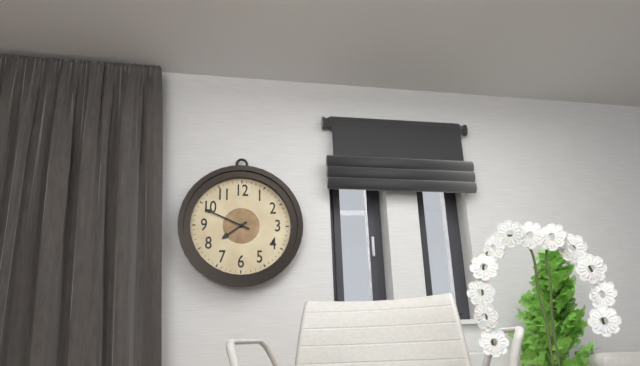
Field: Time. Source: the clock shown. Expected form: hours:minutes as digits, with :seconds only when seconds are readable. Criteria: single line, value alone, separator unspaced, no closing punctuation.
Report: 7:49
